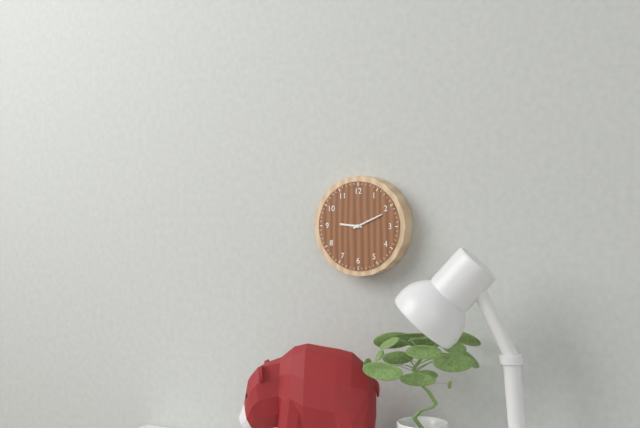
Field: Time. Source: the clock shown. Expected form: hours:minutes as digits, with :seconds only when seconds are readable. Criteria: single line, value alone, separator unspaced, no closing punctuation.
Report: 9:11
